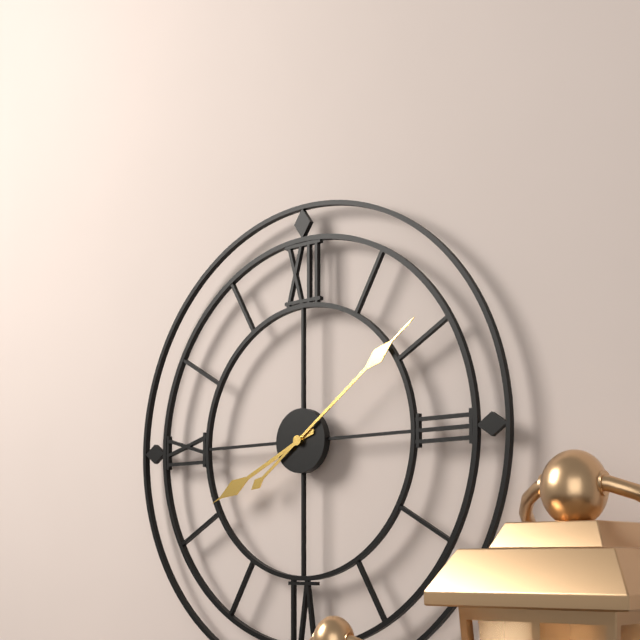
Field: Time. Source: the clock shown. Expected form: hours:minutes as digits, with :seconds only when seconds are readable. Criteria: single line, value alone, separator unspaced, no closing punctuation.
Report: 8:09
